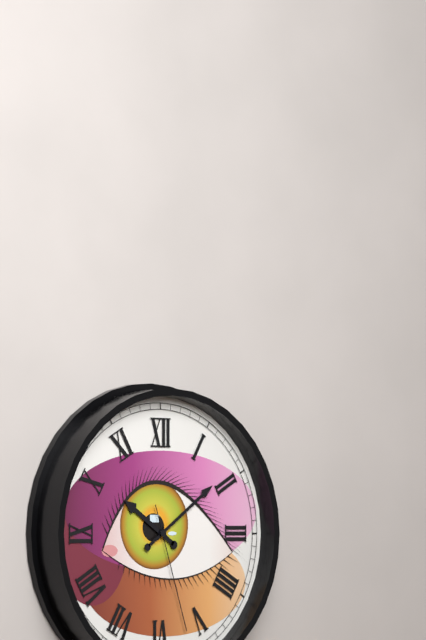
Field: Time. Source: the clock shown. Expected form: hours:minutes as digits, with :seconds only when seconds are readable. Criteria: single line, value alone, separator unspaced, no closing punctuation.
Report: 10:09:27
